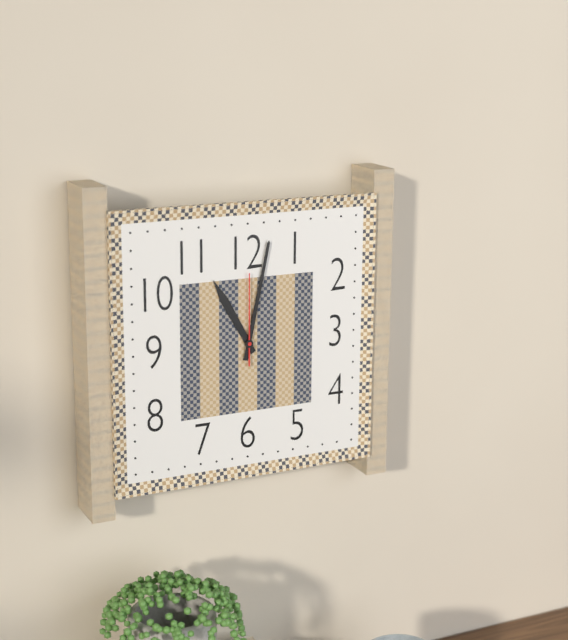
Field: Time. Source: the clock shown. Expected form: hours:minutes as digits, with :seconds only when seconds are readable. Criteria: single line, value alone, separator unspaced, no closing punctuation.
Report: 11:02:00
